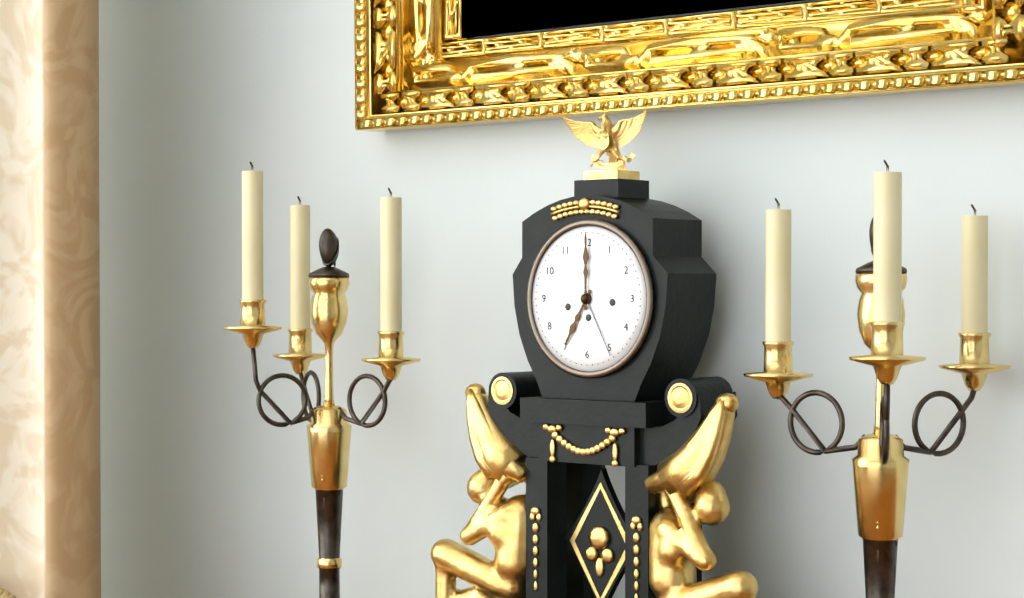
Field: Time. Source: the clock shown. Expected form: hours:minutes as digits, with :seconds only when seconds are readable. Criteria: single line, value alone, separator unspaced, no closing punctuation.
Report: 7:00
